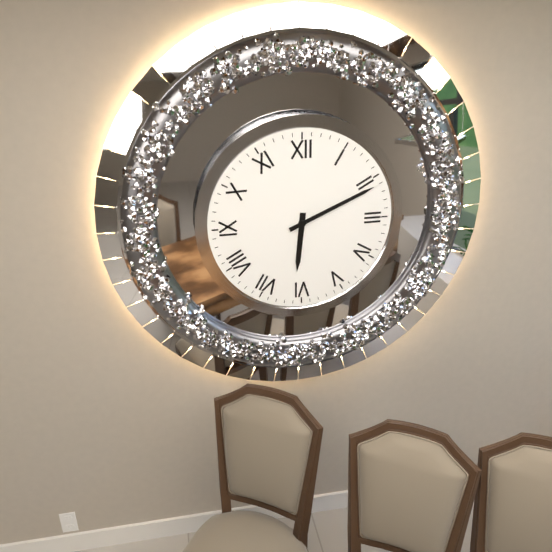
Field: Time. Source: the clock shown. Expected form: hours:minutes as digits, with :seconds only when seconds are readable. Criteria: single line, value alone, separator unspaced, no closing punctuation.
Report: 6:11
